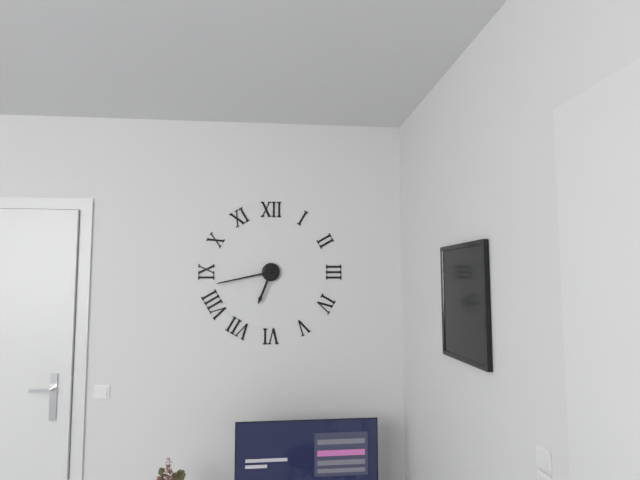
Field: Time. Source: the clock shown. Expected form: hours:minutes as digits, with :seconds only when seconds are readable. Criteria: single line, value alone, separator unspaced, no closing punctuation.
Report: 6:43
